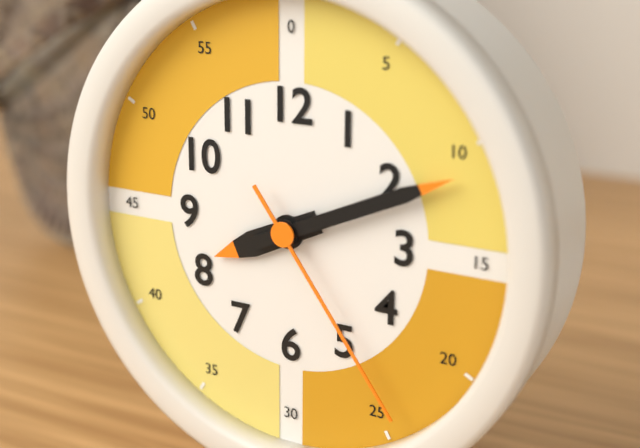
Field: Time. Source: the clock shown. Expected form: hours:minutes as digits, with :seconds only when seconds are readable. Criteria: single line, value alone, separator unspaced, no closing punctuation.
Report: 8:11:24
